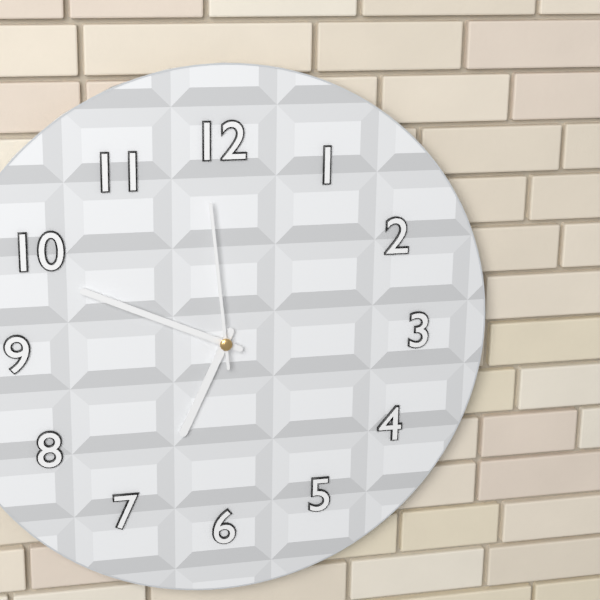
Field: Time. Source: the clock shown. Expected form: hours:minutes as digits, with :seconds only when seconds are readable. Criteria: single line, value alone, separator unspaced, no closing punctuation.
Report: 6:49:59
